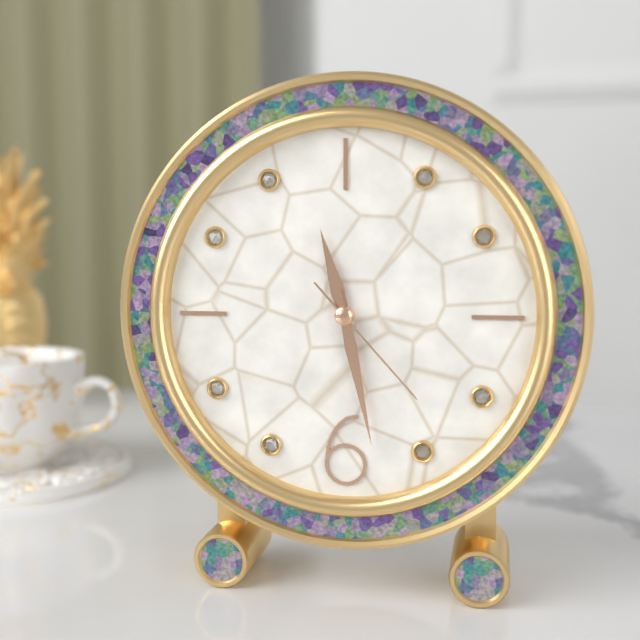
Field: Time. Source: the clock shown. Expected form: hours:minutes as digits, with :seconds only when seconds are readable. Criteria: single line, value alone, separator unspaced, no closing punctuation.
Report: 11:28:23
